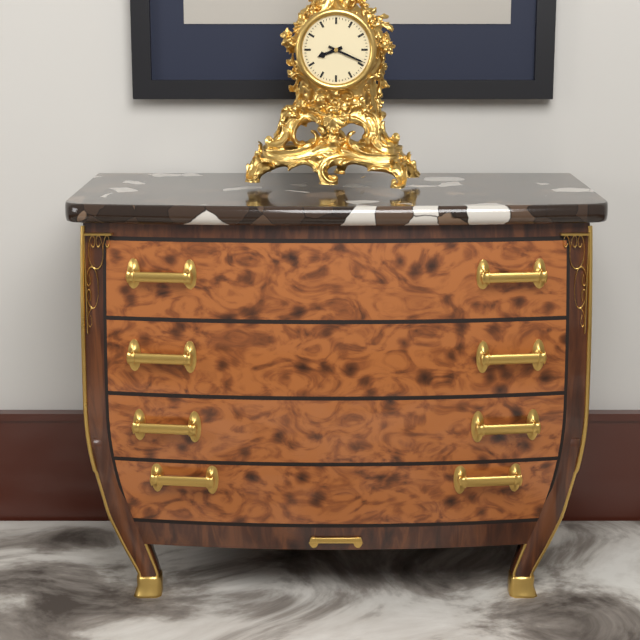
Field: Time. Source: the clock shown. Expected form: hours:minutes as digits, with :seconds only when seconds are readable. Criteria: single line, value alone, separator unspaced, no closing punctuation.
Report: 8:19
